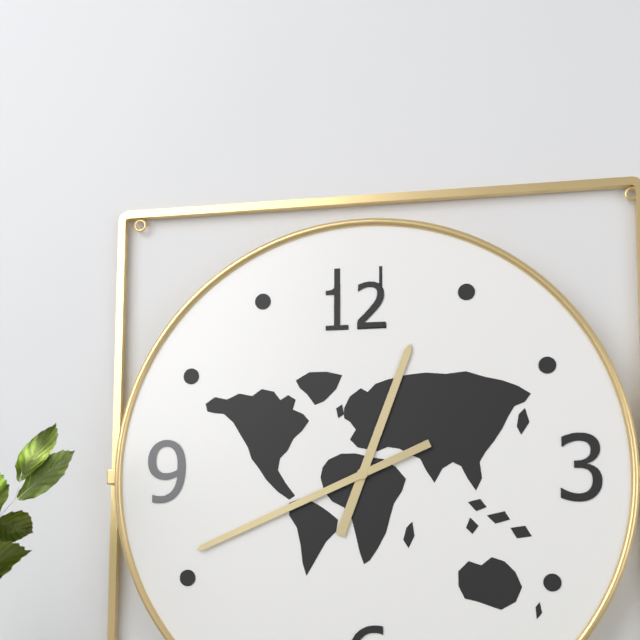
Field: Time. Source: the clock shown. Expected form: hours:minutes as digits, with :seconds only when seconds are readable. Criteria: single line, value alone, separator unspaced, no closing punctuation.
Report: 12:41
